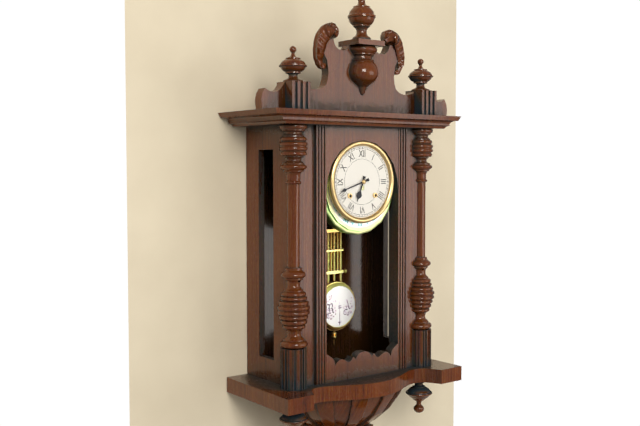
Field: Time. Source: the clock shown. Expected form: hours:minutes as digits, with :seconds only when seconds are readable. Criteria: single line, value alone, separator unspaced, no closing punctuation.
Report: 6:42
